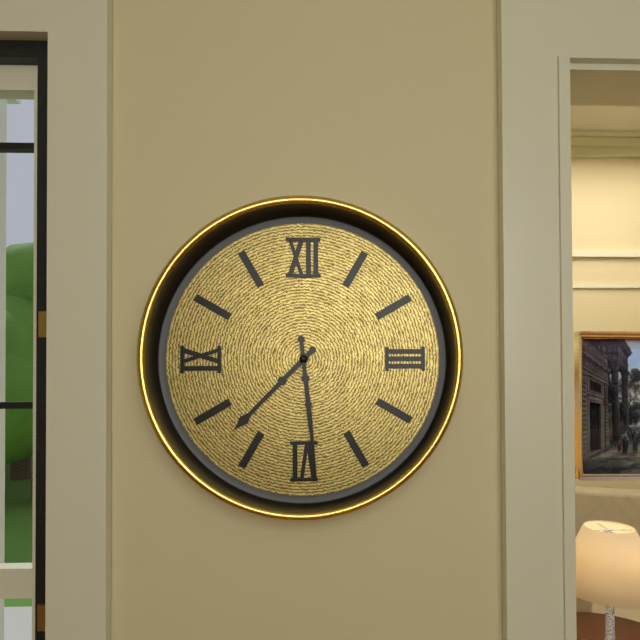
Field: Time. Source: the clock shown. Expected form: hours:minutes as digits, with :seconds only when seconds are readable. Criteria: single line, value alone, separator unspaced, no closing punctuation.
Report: 7:29
